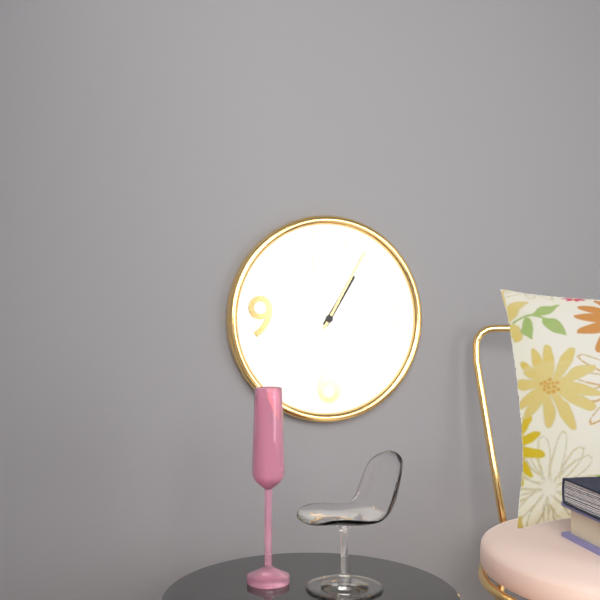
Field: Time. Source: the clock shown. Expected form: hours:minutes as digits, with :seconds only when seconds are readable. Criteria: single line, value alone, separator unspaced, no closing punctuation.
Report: 1:05
